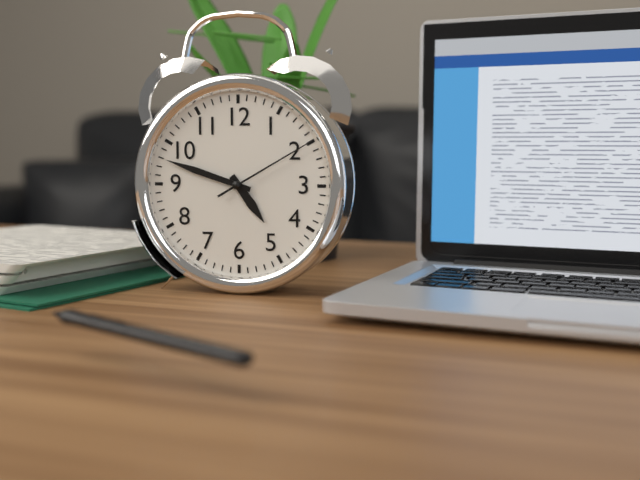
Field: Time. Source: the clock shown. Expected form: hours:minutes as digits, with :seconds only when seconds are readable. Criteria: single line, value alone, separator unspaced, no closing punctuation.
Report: 4:48:10
